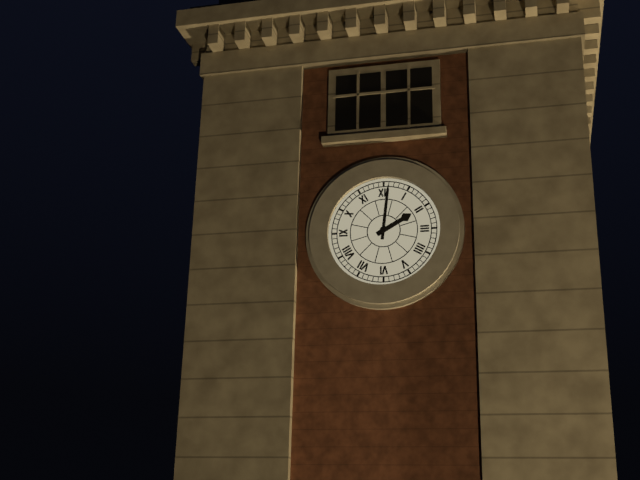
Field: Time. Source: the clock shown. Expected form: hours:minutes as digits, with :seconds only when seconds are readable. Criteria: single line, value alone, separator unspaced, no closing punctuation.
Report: 2:01
